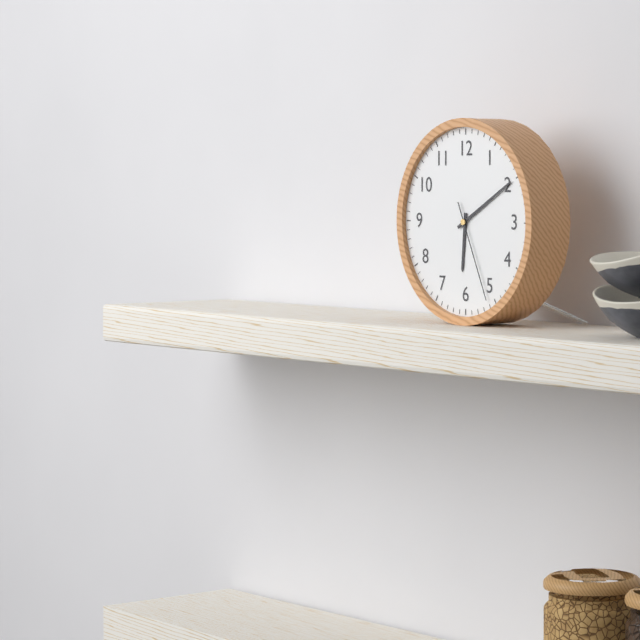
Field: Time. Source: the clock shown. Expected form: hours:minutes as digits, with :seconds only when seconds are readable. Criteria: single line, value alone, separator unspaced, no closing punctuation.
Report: 6:10:26
